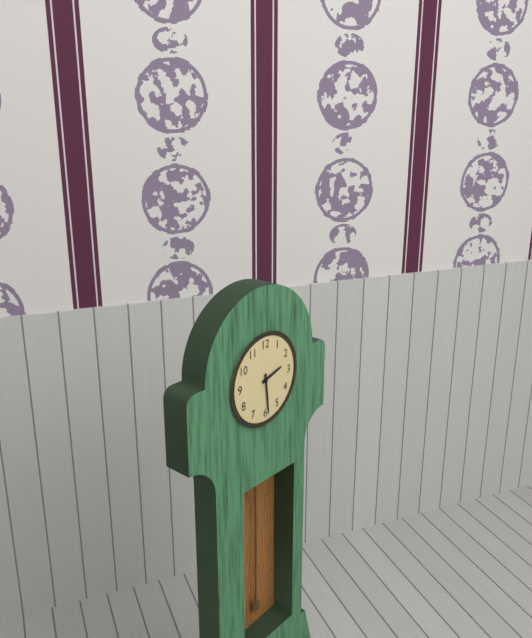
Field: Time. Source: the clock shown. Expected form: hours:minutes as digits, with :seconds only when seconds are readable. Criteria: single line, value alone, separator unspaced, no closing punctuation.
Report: 2:29
